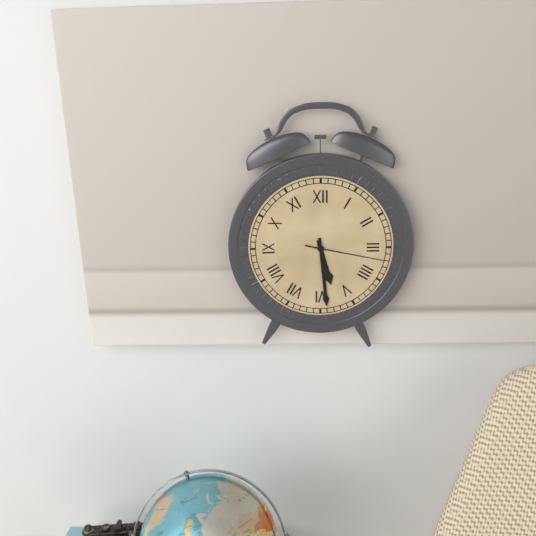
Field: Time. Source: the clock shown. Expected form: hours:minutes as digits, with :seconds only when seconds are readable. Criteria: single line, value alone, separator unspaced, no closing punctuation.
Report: 5:29:17
